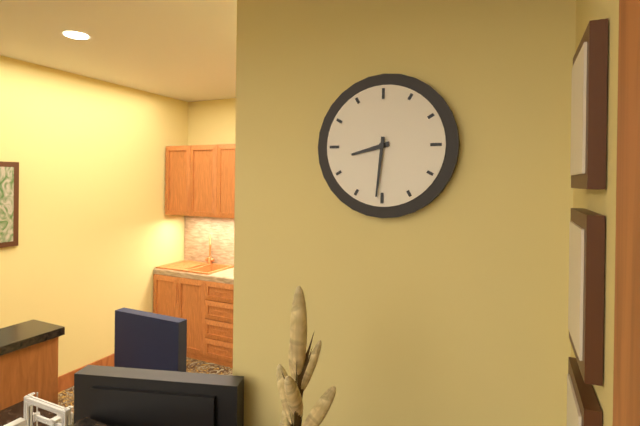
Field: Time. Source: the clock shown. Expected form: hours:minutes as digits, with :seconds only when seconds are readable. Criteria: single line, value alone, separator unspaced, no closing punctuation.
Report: 8:31
